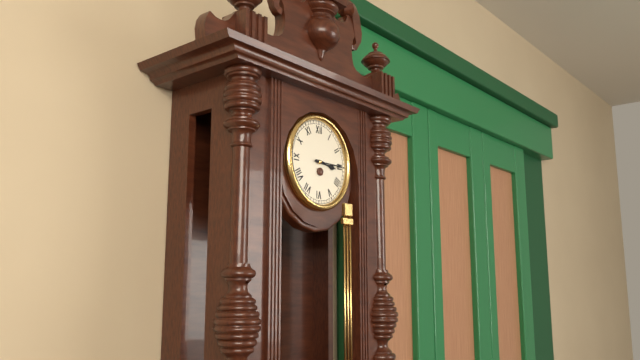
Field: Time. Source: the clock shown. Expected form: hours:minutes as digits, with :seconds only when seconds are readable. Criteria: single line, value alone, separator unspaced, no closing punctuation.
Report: 3:15
